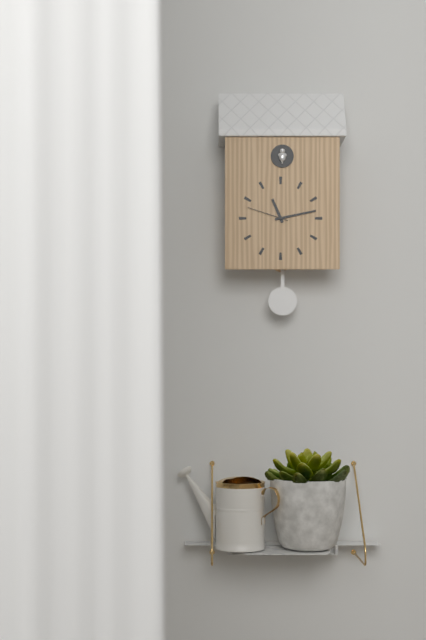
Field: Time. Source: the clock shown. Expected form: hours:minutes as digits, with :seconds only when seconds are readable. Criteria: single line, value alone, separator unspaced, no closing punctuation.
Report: 11:13
